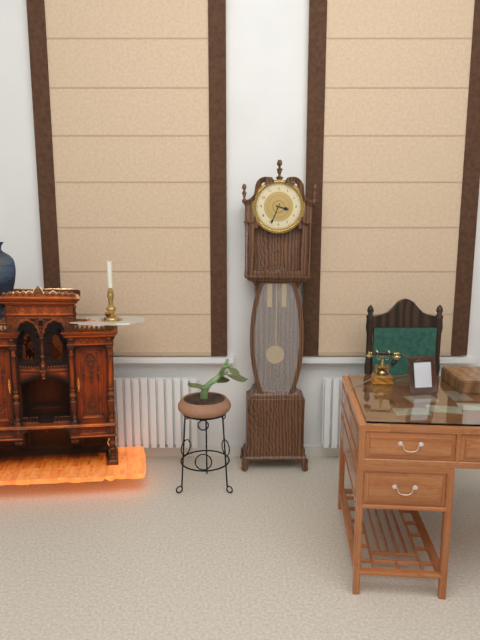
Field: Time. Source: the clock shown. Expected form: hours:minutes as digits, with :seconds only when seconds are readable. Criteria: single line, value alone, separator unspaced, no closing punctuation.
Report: 3:34
